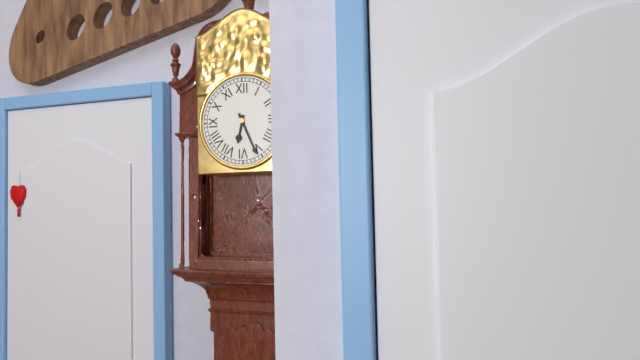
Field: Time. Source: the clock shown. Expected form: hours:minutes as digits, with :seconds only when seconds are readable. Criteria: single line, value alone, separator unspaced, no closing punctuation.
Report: 6:26
